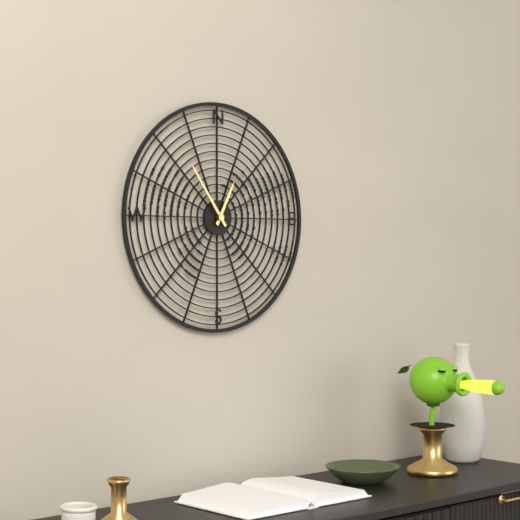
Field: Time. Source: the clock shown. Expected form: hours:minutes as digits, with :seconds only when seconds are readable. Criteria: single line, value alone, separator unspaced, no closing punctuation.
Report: 12:54
